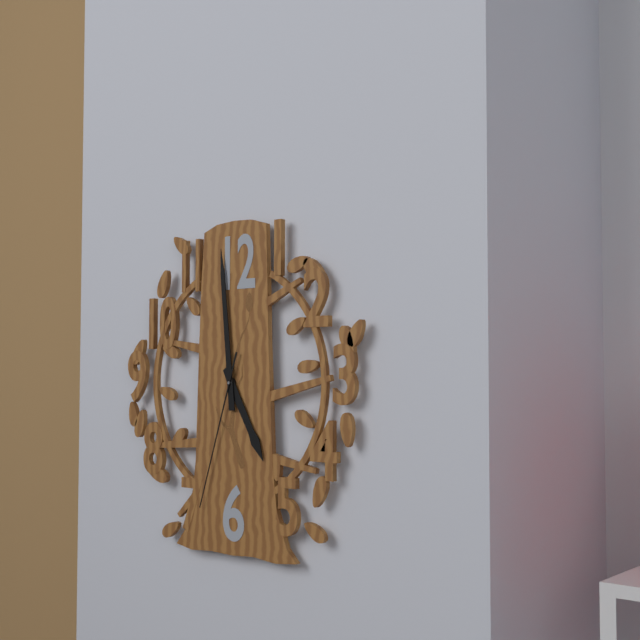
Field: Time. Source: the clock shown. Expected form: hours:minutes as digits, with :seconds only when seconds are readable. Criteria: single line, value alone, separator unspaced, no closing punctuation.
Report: 4:59:33
